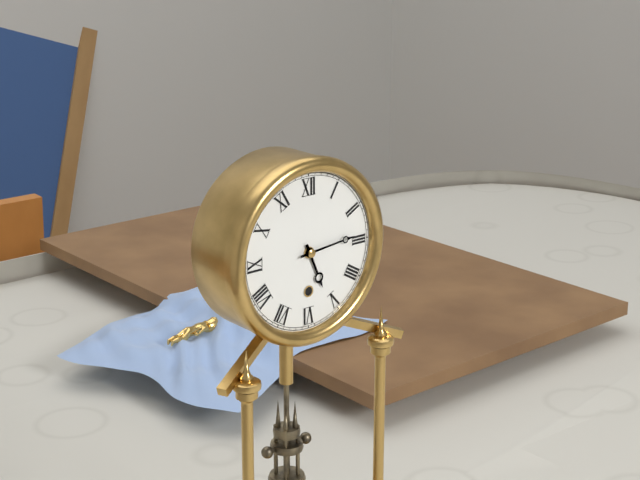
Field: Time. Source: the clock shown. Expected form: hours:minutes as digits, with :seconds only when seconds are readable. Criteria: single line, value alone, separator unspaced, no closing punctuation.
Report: 5:14
